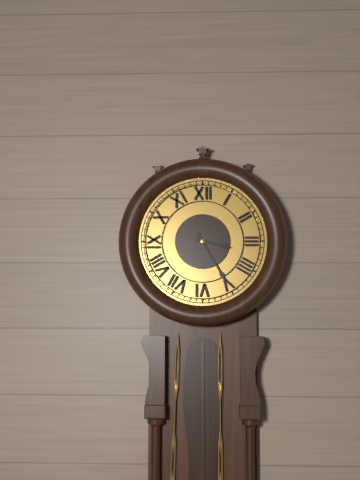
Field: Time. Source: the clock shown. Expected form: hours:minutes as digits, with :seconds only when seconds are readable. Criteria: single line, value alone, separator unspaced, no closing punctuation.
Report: 3:25
